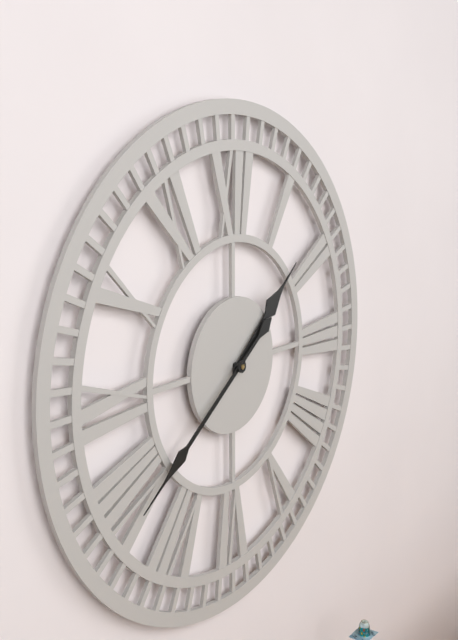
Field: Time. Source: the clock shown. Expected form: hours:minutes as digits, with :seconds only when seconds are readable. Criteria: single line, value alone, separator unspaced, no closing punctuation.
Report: 1:39
